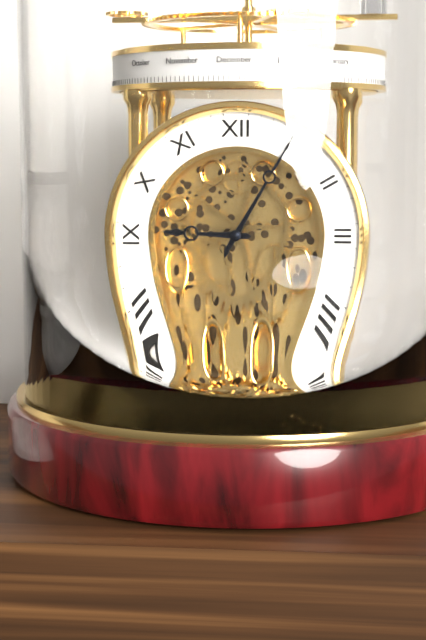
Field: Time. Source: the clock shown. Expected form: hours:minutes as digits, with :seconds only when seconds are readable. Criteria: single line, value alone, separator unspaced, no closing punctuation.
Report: 9:05
